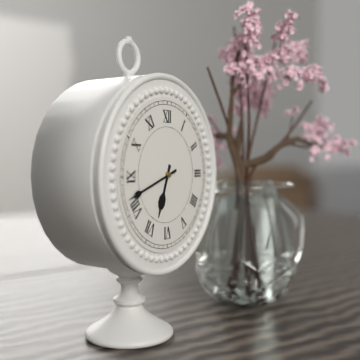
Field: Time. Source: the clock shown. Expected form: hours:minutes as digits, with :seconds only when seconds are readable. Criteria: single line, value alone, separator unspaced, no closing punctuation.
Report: 6:42
